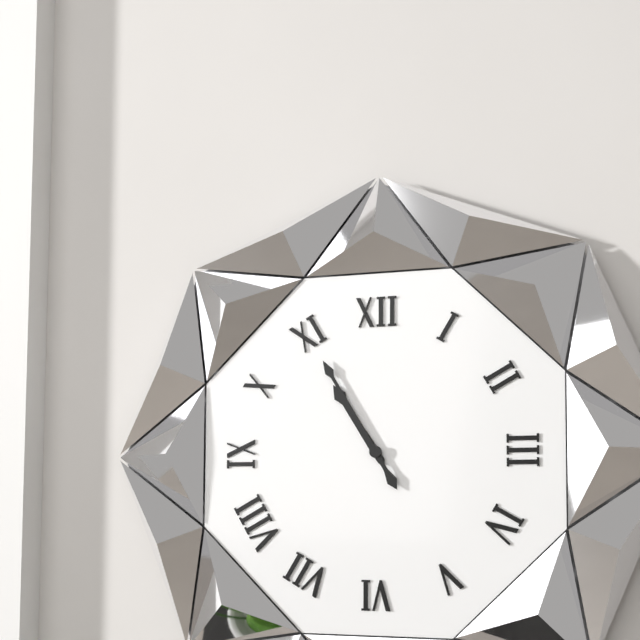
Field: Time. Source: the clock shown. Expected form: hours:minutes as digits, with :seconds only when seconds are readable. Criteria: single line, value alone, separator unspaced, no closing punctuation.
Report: 10:55
